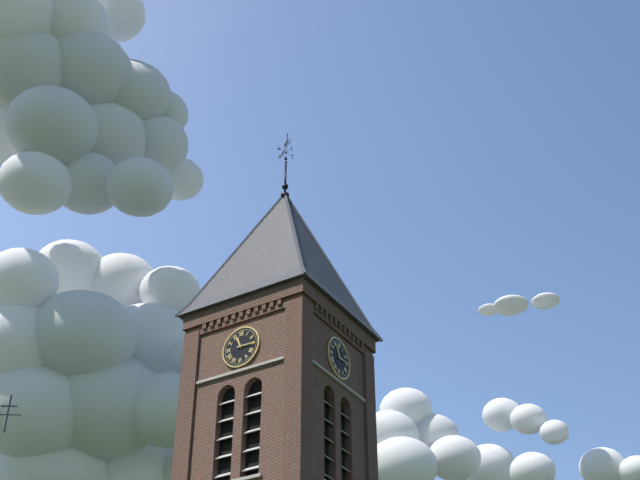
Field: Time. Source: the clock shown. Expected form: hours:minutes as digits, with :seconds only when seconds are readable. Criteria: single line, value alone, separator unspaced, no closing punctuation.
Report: 11:15
